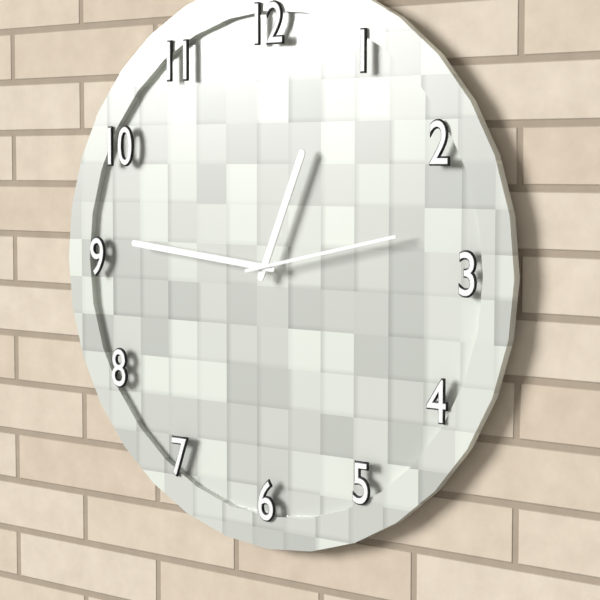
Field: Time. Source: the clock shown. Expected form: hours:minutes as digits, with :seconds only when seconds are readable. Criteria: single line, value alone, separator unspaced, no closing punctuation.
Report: 12:46:13
